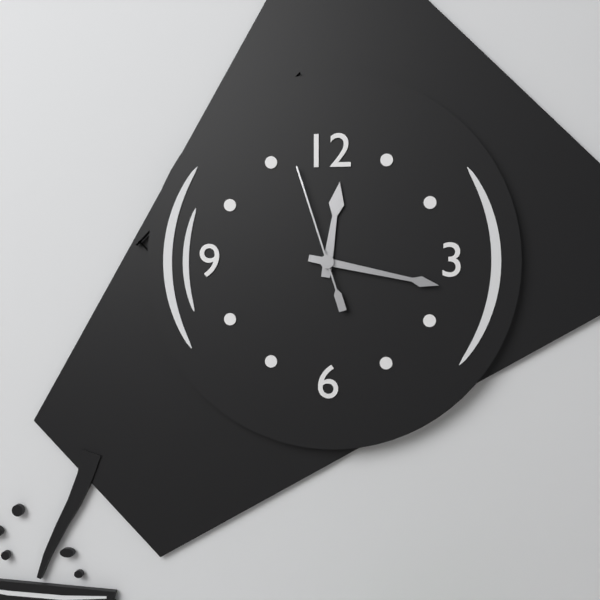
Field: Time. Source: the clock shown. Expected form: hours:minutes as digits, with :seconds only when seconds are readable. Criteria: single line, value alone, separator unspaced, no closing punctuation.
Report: 12:17:57
